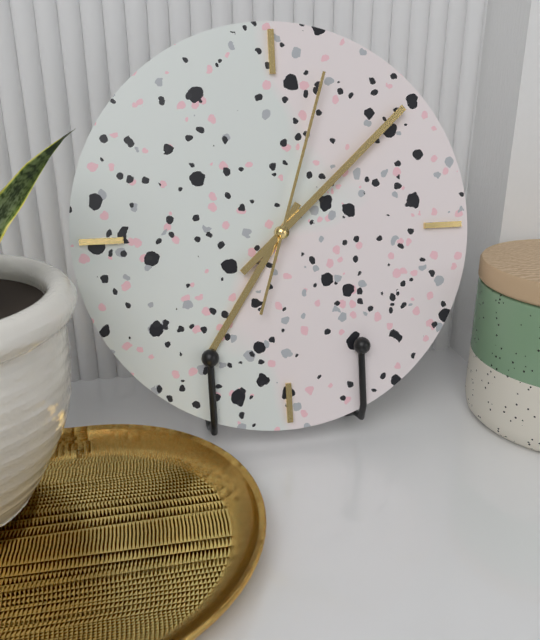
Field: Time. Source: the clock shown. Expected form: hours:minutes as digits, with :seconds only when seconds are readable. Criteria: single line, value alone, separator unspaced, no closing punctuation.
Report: 7:08:03
